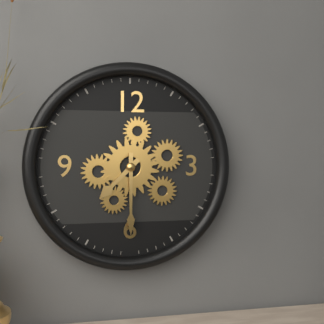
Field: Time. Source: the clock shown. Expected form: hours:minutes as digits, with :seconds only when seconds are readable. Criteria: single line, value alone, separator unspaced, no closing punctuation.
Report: 7:30
